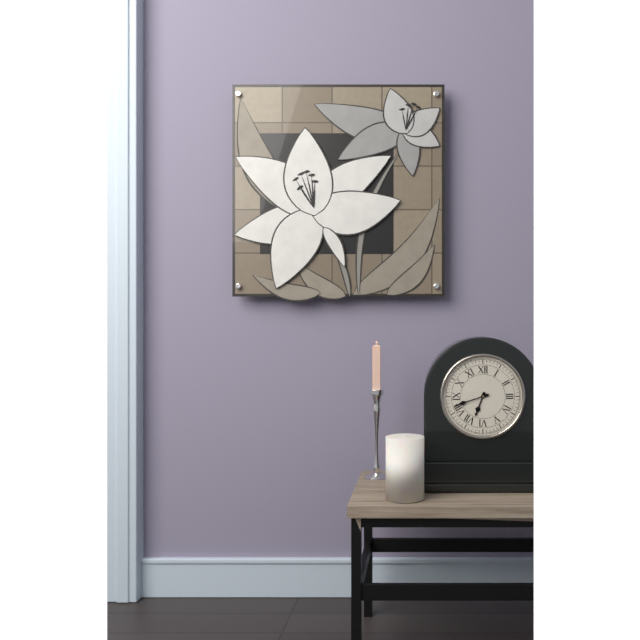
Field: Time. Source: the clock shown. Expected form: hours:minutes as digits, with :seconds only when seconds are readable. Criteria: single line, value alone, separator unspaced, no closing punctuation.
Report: 6:42
